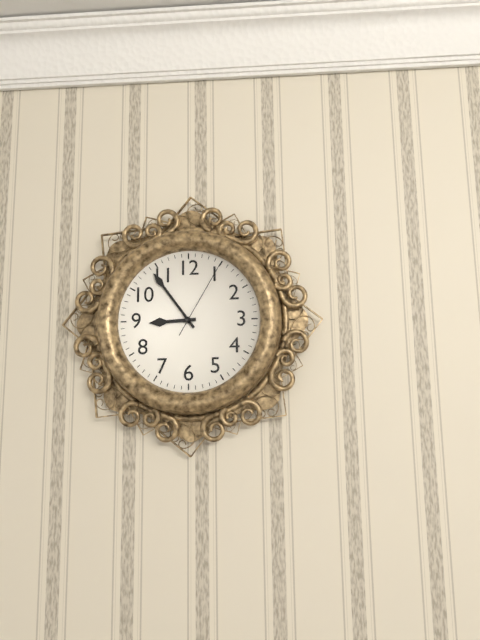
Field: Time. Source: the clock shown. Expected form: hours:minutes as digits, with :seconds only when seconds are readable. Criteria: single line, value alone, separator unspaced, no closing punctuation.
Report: 8:54:05
